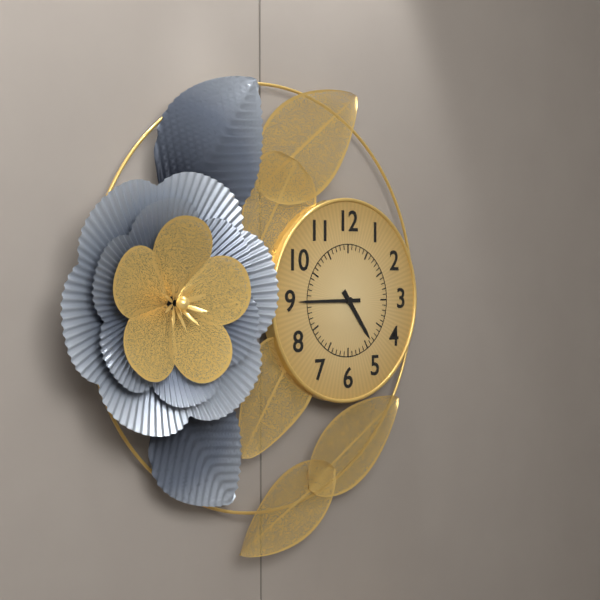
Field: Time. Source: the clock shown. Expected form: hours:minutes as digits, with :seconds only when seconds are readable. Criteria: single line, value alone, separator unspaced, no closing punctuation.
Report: 4:45
